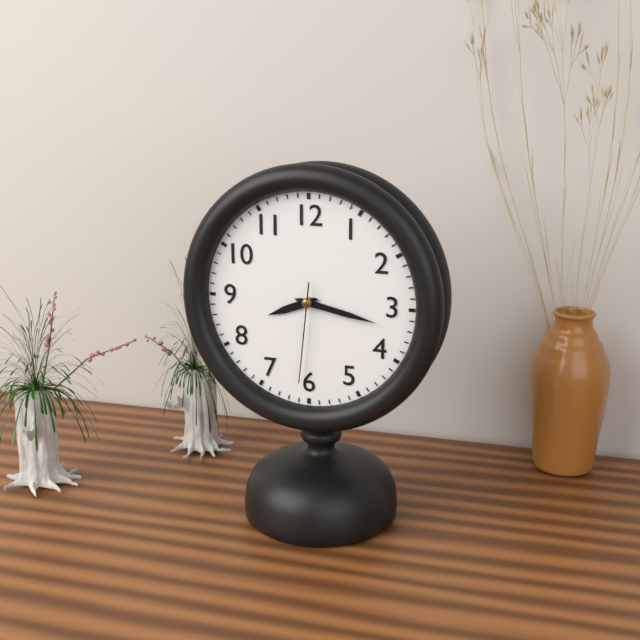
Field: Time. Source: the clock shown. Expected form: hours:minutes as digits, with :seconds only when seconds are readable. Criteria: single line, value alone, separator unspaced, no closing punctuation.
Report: 8:17:31
